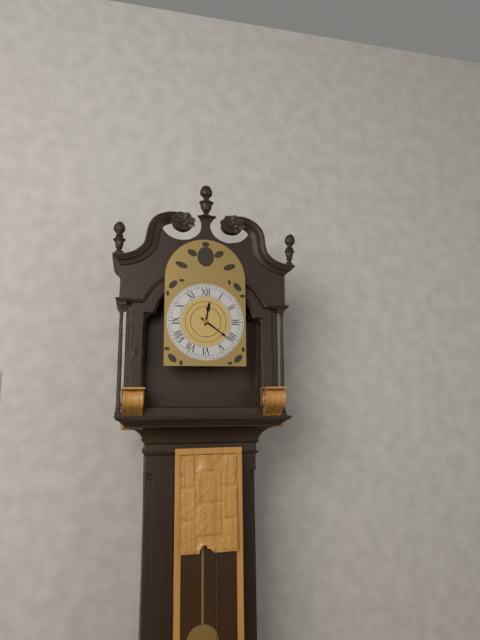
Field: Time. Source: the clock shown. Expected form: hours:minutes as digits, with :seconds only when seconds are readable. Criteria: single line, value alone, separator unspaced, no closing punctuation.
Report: 12:21
